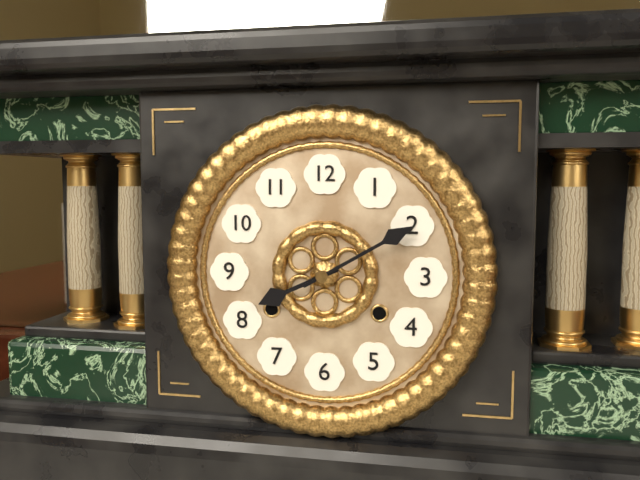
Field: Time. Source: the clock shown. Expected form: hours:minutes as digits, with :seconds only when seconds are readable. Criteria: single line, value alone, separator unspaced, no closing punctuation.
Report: 8:10
